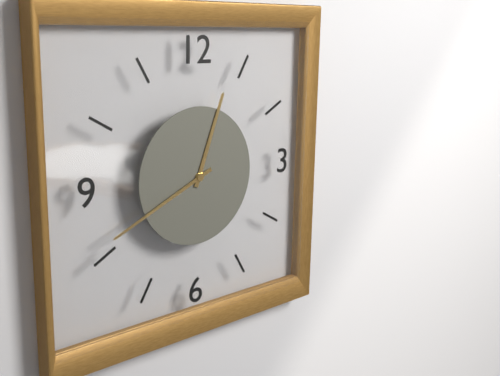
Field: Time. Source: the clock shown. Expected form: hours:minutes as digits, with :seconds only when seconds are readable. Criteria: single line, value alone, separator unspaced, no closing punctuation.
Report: 12:41
